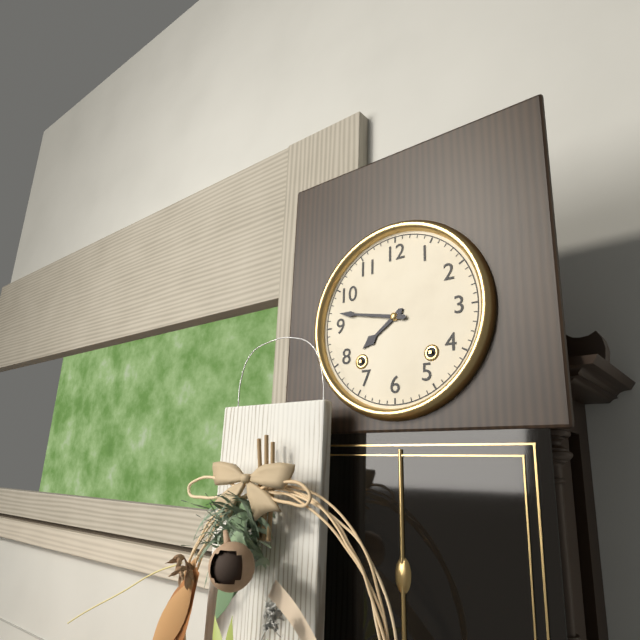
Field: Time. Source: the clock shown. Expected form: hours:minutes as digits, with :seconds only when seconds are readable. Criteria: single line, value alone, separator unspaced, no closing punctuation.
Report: 7:47
